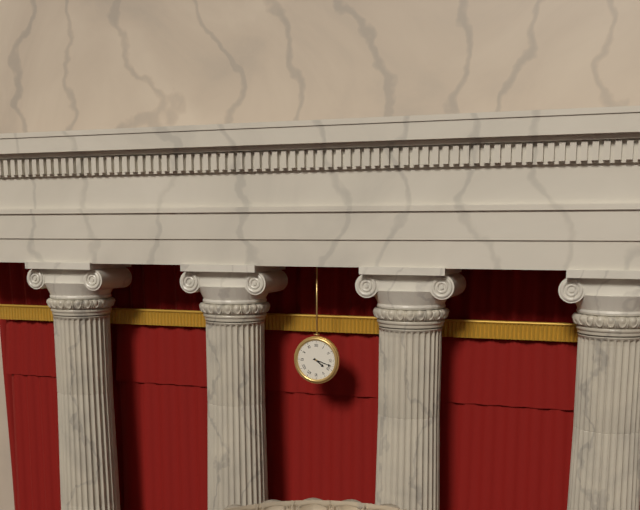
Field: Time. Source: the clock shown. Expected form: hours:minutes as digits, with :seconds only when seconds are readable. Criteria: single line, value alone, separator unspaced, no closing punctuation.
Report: 4:18
